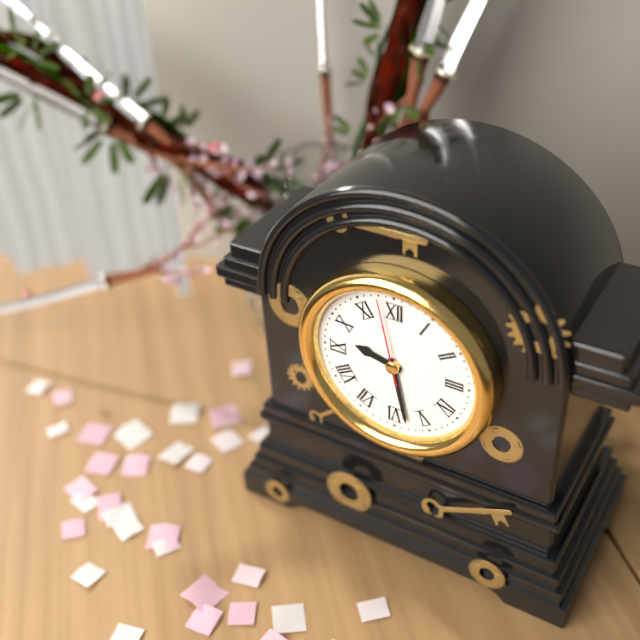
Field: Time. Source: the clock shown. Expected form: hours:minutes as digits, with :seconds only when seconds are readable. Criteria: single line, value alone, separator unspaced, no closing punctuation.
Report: 9:28:58
